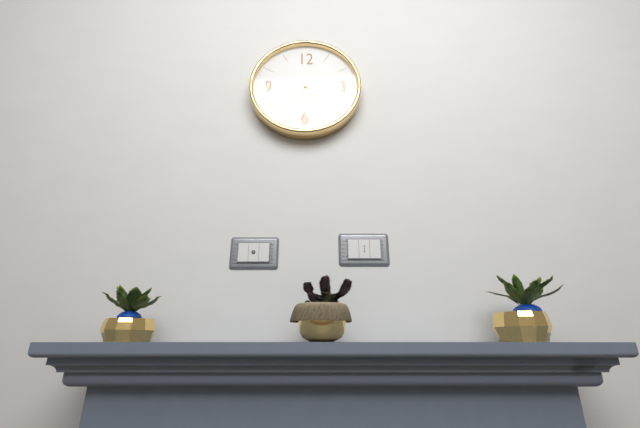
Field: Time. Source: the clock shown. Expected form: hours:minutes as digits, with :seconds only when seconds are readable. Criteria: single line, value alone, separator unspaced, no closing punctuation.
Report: 4:36
